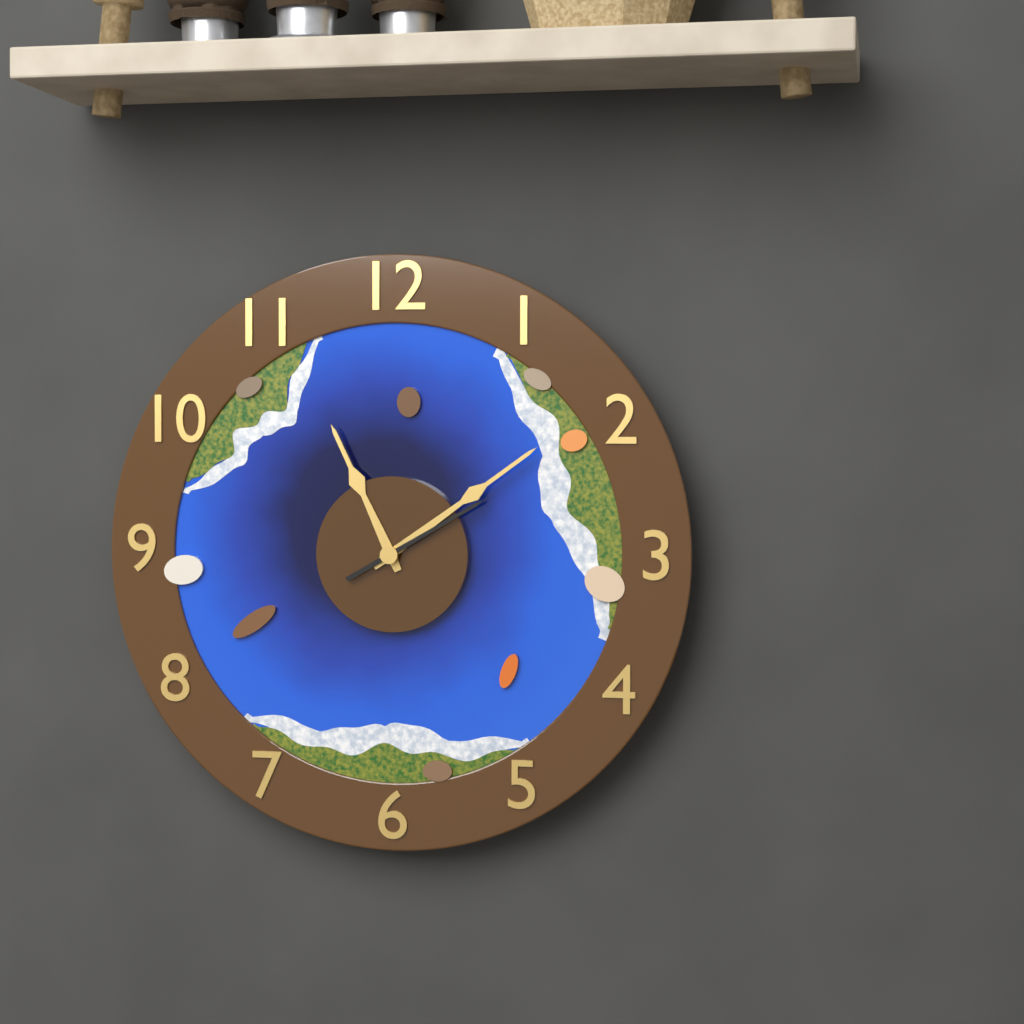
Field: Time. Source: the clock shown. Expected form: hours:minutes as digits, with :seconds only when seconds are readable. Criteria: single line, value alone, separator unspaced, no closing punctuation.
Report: 11:09:10
